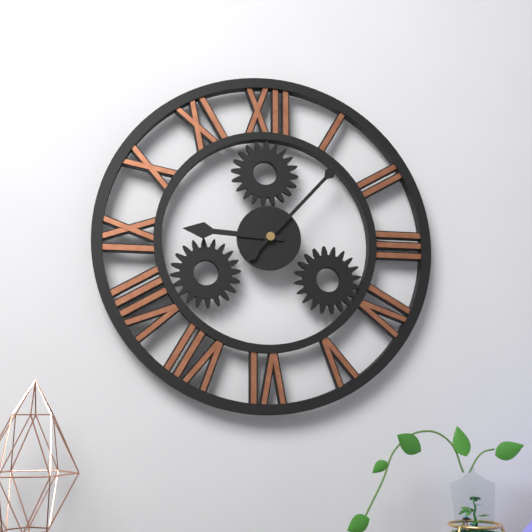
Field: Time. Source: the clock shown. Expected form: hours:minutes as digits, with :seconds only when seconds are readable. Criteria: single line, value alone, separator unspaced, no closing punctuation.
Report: 9:07
